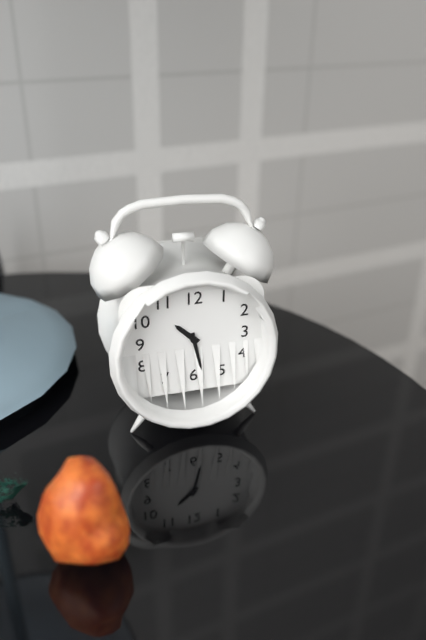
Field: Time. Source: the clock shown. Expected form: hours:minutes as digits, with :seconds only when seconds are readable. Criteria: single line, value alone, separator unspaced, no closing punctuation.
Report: 10:28
